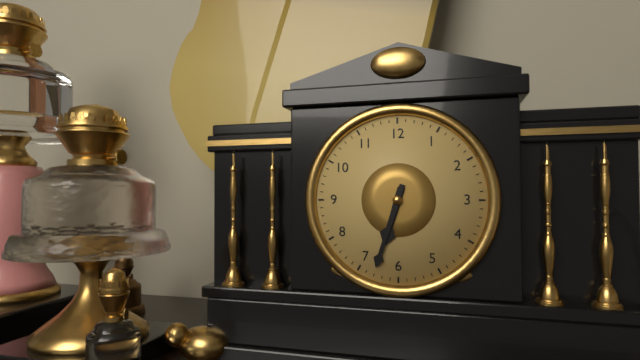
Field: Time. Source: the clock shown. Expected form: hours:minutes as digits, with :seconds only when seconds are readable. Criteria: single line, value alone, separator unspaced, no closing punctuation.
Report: 6:33
